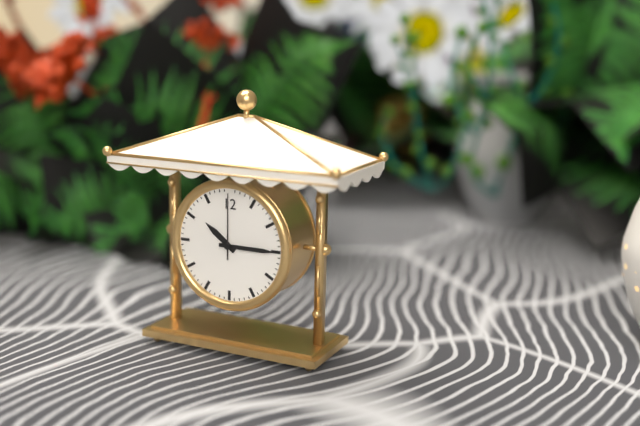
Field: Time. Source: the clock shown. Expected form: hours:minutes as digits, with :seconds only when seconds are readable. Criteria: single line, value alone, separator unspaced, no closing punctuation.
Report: 10:15:00
